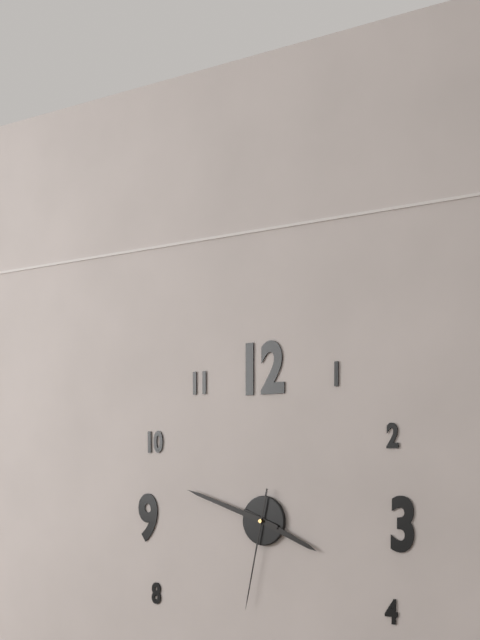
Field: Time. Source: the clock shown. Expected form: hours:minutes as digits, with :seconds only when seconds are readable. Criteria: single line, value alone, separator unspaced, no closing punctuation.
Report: 3:48:32
